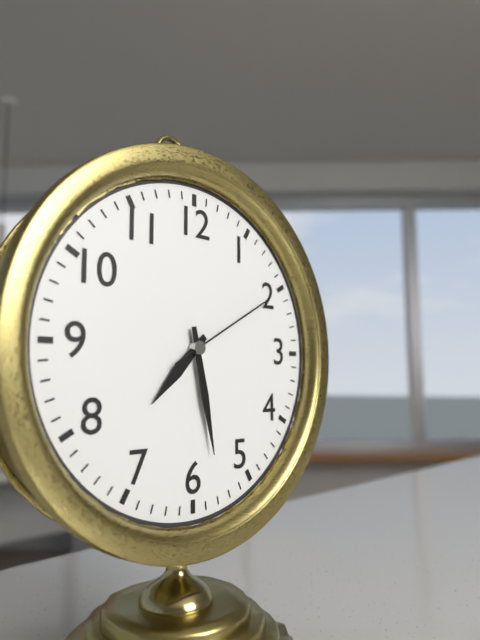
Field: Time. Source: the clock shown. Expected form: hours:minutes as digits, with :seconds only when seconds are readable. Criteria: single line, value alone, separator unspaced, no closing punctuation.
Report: 7:28:10
